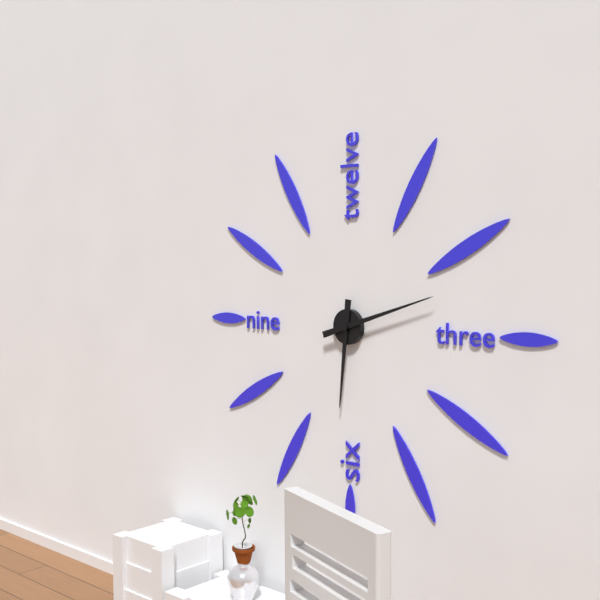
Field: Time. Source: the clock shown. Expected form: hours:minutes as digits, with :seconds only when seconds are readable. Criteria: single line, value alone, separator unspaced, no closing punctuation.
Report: 6:12
